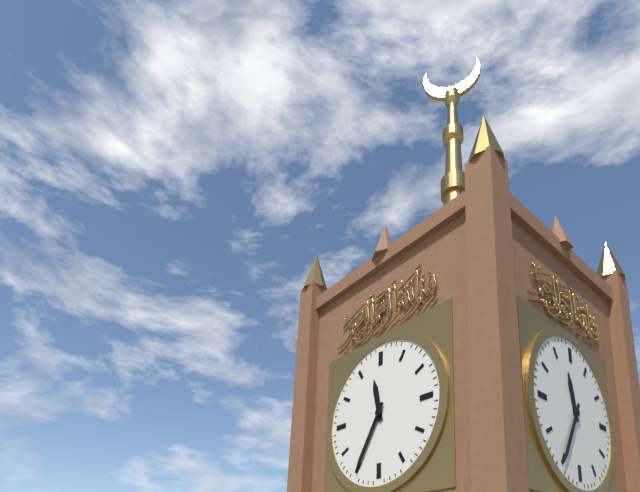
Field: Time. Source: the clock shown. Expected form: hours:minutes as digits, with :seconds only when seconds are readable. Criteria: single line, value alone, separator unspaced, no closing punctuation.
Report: 11:35
